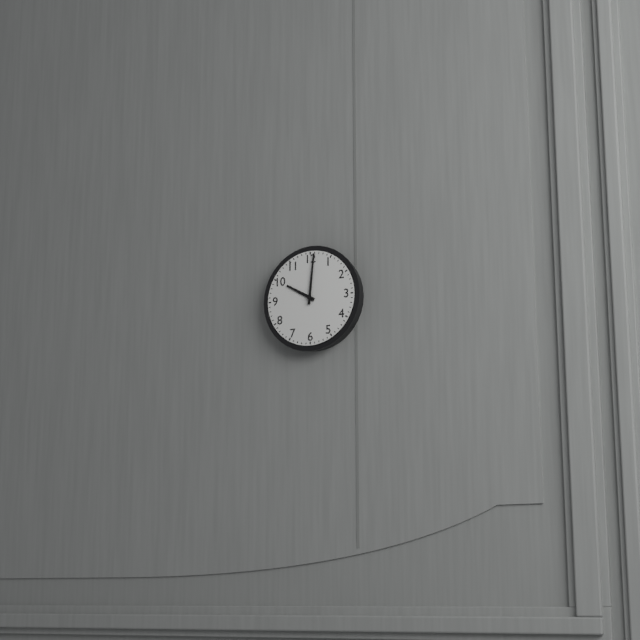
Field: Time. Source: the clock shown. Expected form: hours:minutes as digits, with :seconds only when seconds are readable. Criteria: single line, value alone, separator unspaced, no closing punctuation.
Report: 10:01
